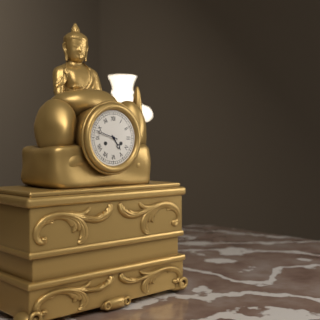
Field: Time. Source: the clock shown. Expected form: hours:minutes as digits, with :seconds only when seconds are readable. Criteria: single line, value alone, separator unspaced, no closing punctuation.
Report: 4:48
